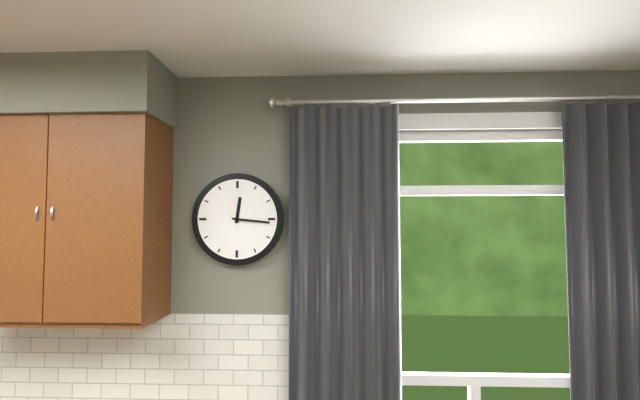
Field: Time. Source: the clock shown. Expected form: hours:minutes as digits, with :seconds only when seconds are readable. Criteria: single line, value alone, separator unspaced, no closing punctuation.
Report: 12:16
